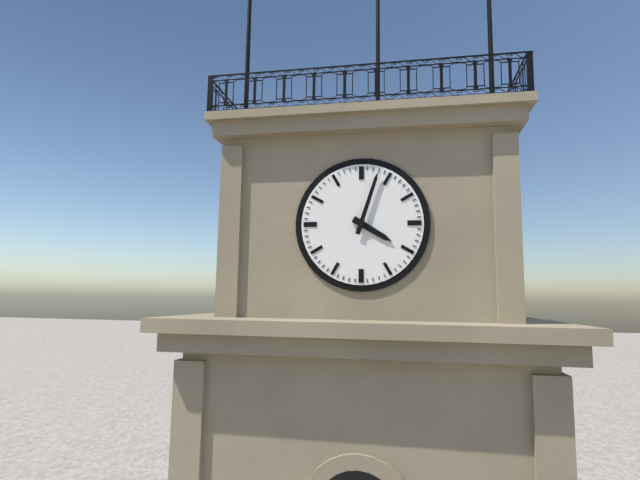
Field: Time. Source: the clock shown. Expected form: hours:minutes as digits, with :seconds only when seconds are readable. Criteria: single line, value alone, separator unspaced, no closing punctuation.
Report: 4:03
